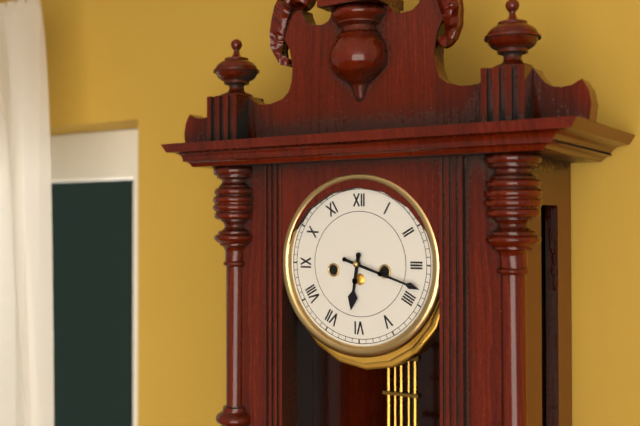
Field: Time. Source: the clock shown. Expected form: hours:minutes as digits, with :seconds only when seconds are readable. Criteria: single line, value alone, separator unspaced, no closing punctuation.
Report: 6:18
